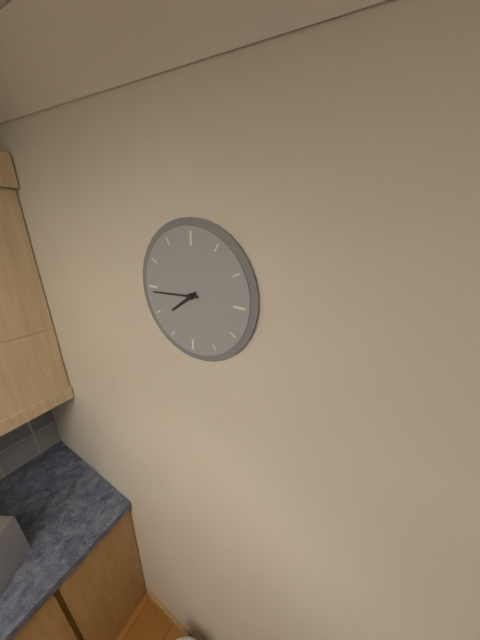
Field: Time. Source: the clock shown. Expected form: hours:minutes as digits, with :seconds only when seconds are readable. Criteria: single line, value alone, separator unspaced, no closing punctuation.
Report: 7:44
